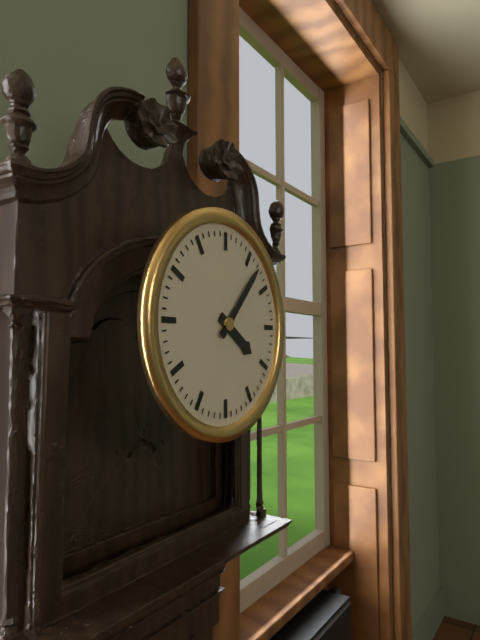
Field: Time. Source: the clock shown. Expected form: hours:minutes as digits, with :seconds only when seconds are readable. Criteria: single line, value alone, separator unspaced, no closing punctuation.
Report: 4:07
